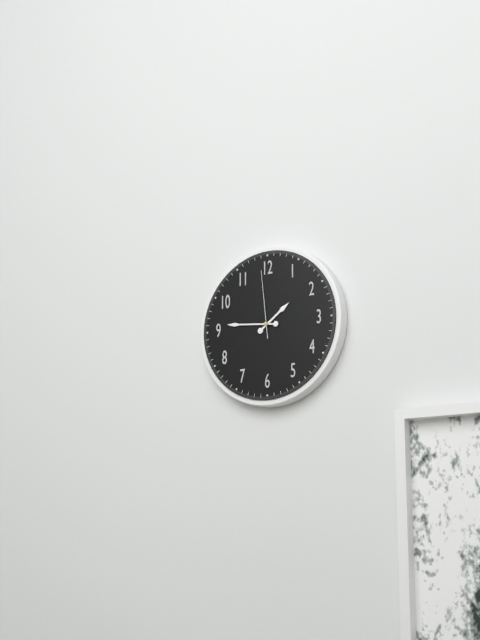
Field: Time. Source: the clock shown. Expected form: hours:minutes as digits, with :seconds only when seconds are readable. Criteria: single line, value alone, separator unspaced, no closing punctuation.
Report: 1:46:59
